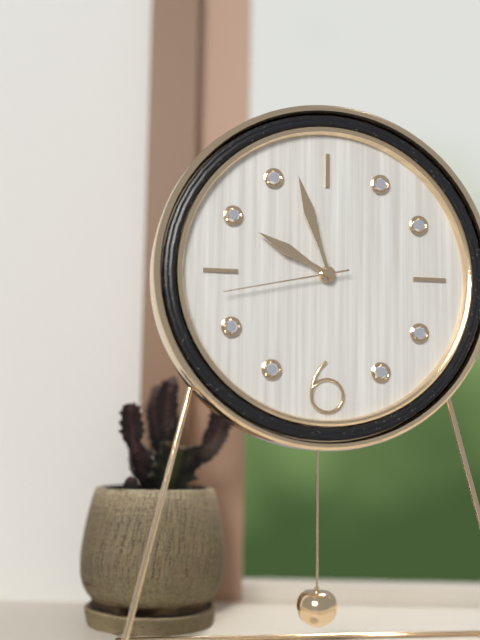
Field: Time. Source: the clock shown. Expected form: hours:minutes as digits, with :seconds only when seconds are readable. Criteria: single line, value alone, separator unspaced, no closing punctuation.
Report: 9:57:43
